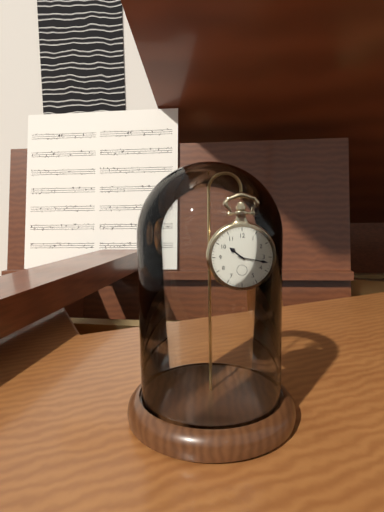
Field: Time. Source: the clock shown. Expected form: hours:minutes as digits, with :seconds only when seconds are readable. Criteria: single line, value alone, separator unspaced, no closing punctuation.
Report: 10:17
